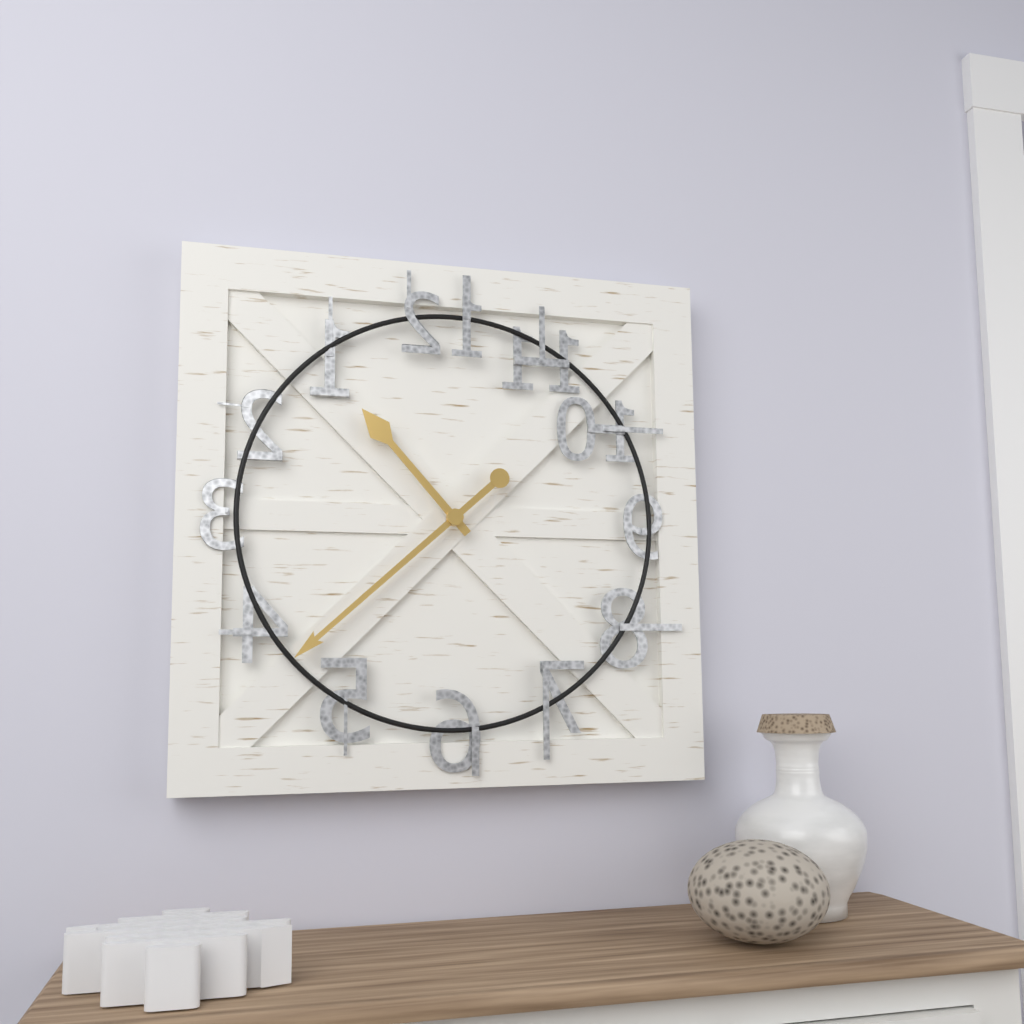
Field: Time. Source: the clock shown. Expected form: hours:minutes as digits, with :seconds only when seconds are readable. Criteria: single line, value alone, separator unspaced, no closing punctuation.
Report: 10:38
